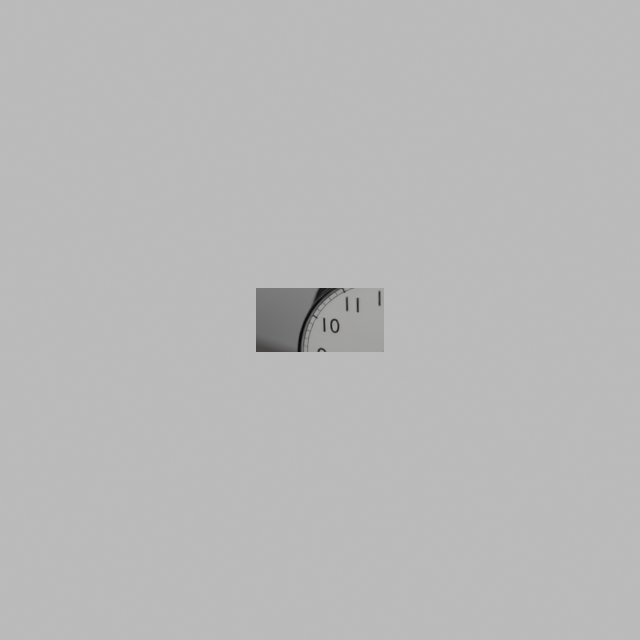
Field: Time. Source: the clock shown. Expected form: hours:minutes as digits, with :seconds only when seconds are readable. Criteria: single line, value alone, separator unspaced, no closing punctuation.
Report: 6:04:05
